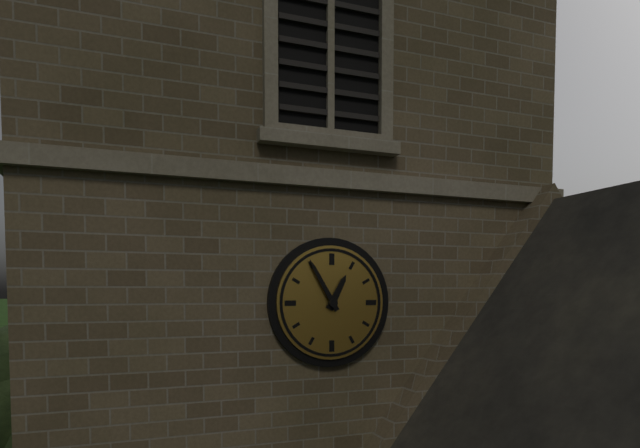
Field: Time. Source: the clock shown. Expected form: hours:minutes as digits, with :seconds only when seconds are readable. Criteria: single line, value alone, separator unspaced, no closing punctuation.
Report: 12:55
